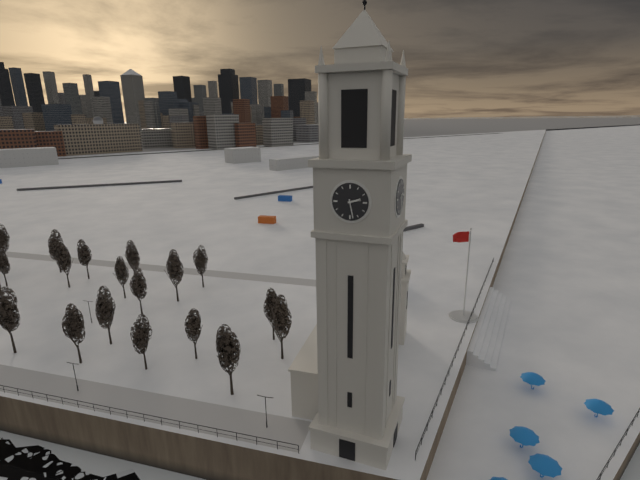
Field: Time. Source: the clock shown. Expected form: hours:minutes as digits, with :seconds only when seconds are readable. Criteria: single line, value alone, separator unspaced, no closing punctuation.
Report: 2:28
